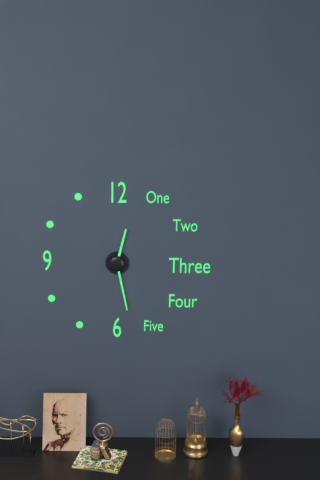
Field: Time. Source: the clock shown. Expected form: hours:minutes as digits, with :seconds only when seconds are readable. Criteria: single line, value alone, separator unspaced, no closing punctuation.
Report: 12:28
